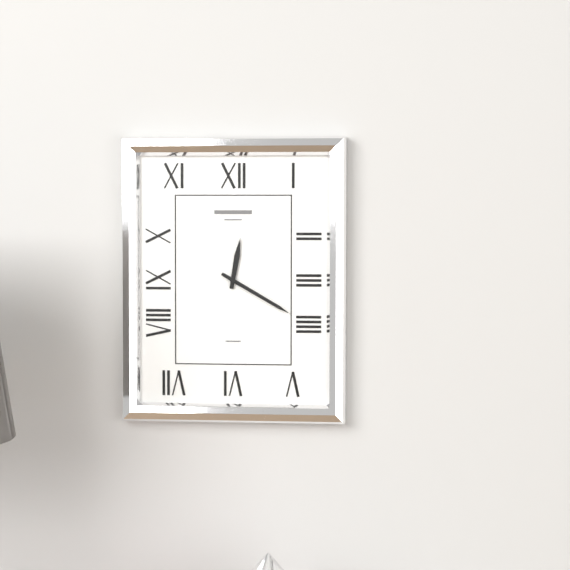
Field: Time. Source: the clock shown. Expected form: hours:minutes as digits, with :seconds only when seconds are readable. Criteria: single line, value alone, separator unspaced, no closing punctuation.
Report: 12:20
